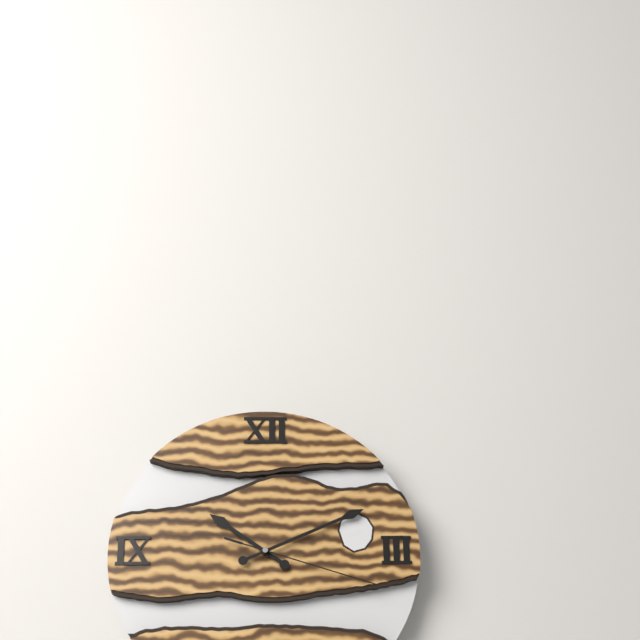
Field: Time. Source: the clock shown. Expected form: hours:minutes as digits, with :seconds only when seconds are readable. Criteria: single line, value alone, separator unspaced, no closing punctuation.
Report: 10:11:18
